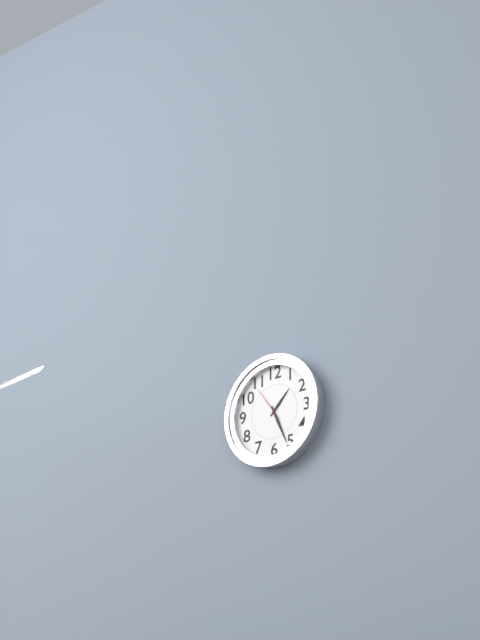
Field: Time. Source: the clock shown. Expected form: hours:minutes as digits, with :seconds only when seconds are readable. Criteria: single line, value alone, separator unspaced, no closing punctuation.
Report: 1:26
